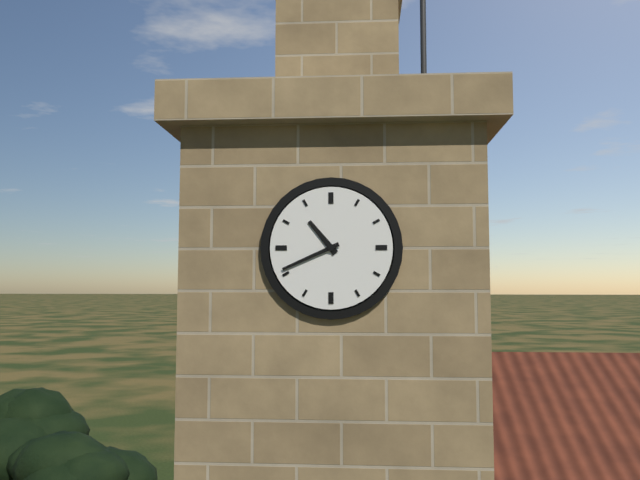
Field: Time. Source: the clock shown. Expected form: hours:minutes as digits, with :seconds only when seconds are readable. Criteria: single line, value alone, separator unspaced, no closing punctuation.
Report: 10:41
